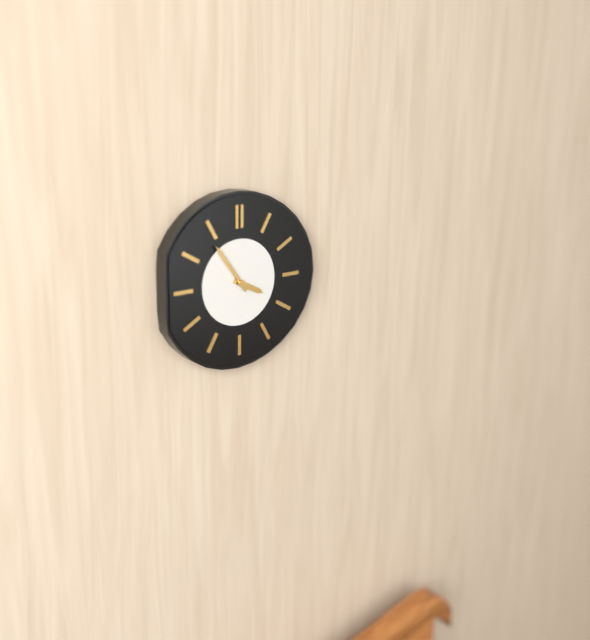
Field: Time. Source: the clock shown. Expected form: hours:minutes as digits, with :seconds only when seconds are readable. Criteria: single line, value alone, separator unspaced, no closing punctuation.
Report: 3:54
